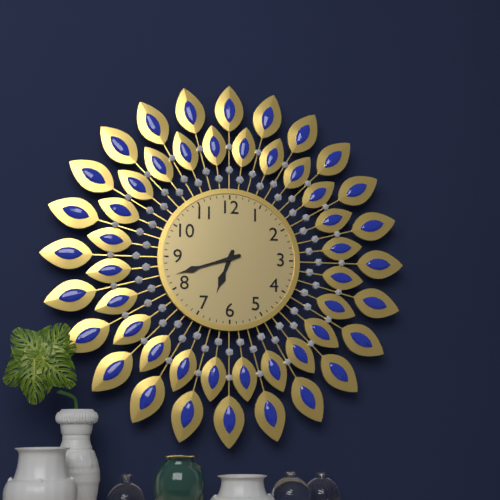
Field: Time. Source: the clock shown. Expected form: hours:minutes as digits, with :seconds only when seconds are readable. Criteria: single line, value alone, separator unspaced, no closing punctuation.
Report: 6:42
